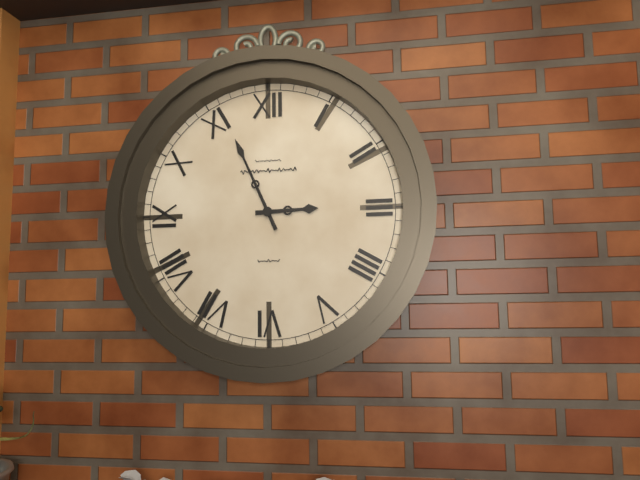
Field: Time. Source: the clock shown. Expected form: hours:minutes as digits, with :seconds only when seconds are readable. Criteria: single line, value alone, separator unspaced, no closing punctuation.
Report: 2:56
